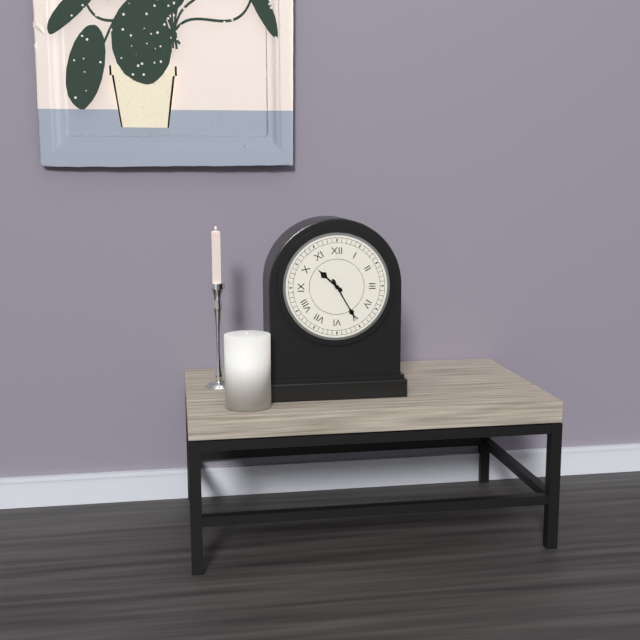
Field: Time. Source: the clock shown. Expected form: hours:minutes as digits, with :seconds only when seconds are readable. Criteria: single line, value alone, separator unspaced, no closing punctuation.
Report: 10:25
